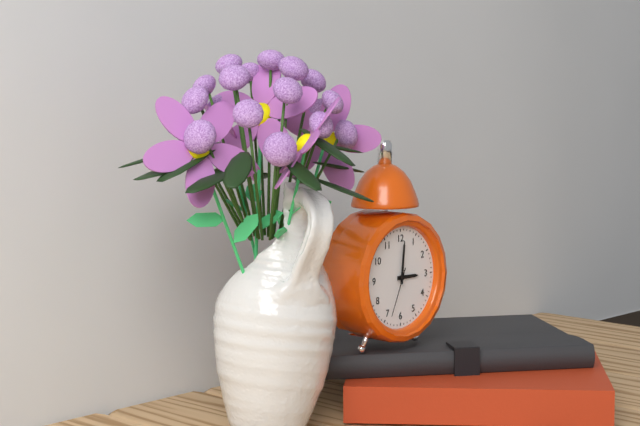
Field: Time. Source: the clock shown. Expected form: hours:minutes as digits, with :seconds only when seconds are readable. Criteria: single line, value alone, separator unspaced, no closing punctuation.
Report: 3:01:34
